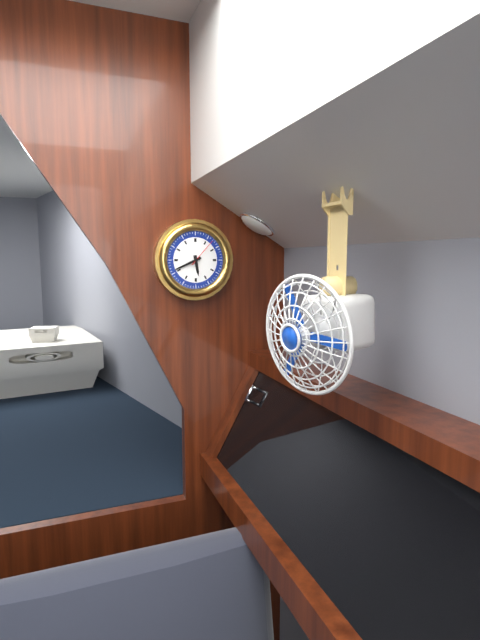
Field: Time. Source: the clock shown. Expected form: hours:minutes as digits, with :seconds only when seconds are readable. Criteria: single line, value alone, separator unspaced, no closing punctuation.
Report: 5:41
